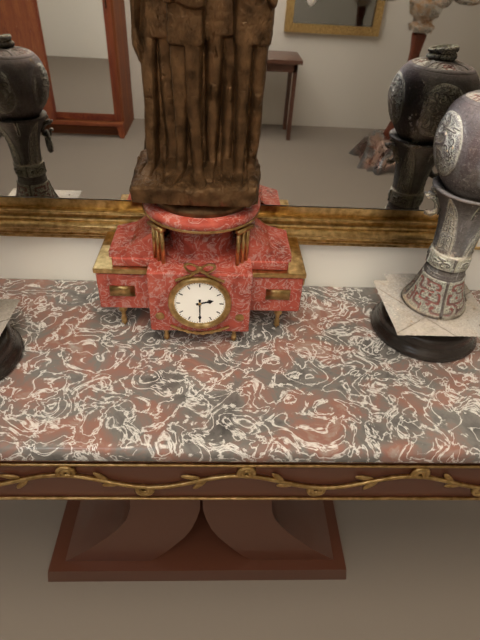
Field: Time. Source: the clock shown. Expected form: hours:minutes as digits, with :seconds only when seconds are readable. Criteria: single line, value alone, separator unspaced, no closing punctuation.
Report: 2:30
